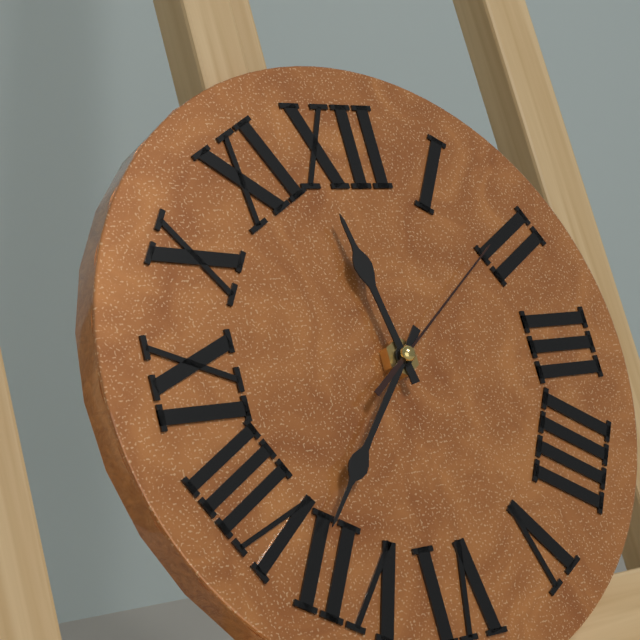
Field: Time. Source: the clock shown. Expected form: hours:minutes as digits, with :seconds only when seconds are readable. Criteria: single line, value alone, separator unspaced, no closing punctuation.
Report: 11:37:09
